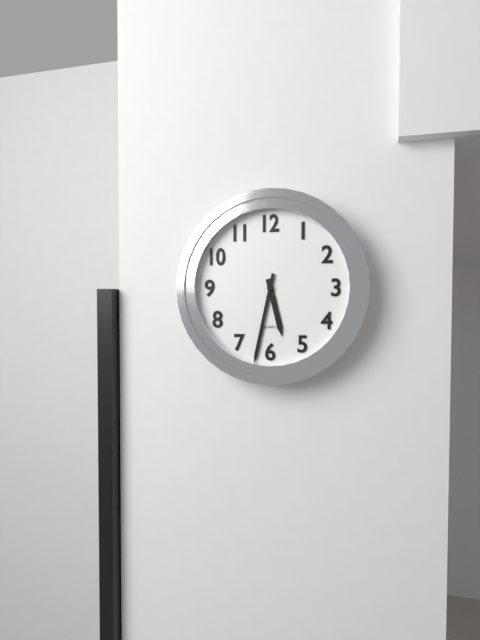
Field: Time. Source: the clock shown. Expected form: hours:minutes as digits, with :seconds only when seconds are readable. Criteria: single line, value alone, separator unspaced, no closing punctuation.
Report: 5:32
